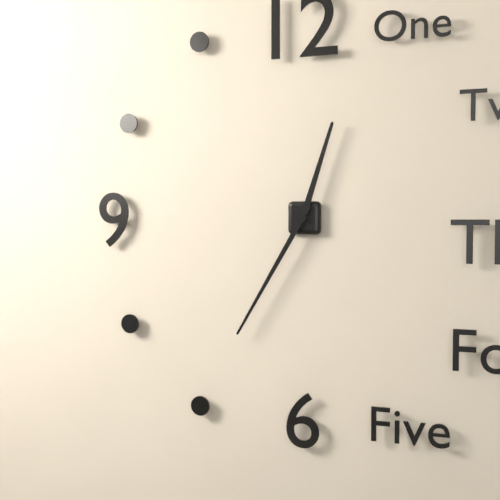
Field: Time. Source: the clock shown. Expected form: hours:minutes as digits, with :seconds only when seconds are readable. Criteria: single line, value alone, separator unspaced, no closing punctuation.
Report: 12:35
